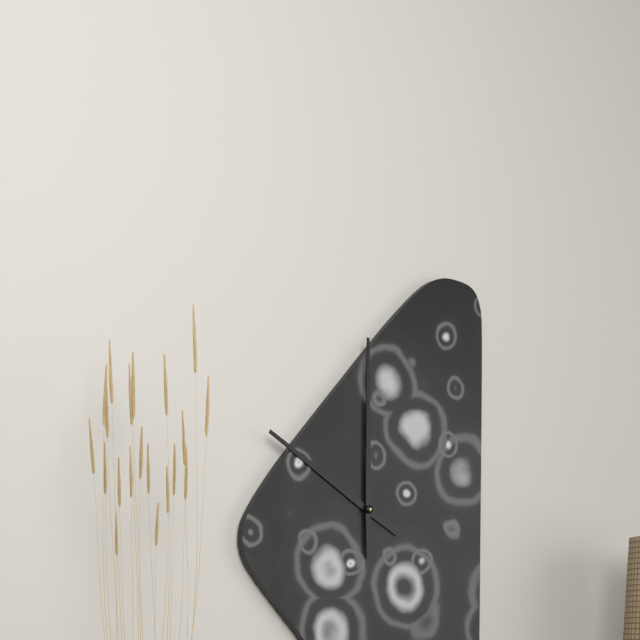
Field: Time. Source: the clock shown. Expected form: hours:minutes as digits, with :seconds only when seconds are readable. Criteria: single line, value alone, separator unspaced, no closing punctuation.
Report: 10:00
